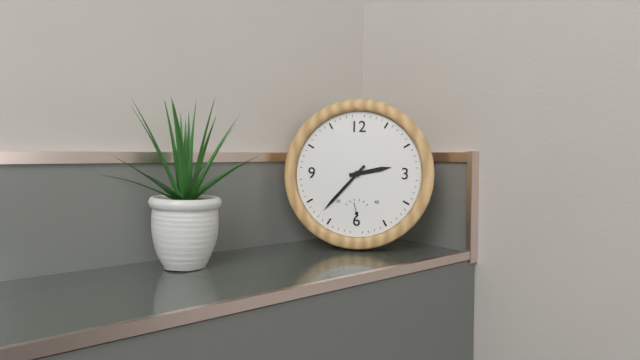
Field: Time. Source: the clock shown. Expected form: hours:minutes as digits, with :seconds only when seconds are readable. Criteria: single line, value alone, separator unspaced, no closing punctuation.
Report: 2:37
